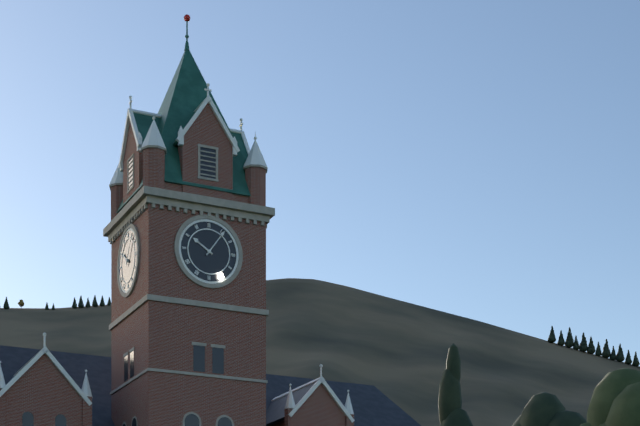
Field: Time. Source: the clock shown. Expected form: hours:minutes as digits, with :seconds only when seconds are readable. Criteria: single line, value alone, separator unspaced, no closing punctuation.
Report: 10:06
